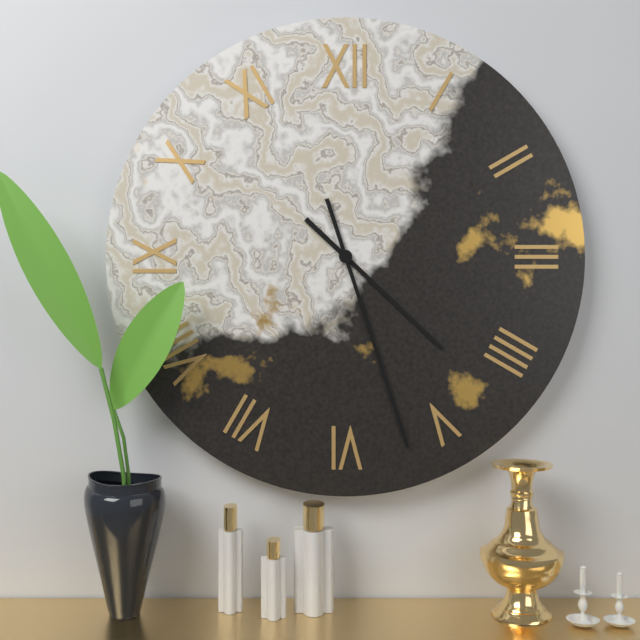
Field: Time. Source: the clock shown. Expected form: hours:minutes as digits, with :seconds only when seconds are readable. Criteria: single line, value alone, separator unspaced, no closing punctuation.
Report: 4:27
